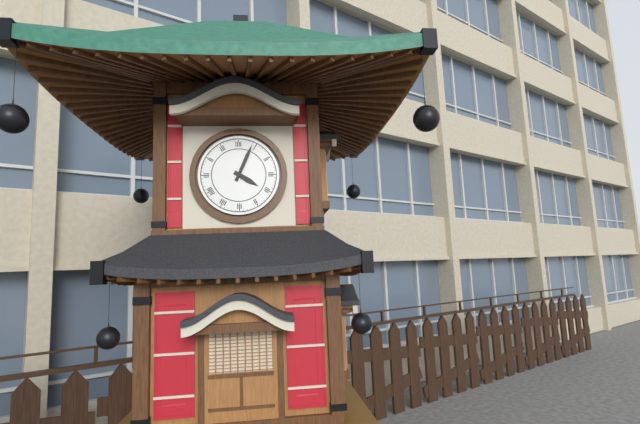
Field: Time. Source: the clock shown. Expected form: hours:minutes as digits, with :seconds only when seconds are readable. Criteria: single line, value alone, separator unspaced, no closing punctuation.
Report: 4:04
